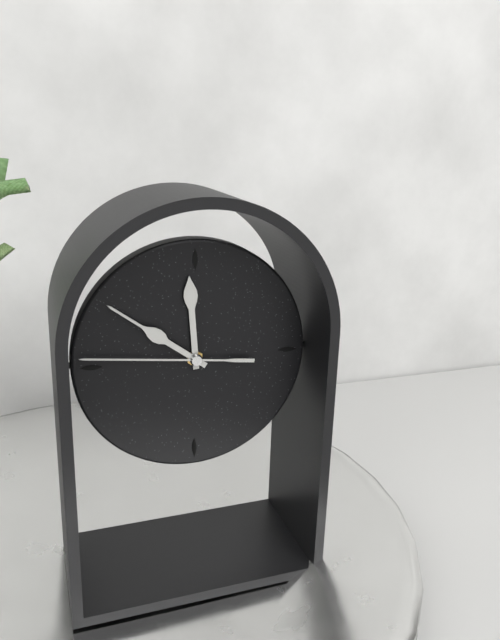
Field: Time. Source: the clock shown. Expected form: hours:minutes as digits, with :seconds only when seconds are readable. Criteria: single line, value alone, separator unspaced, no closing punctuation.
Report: 11:51:46
